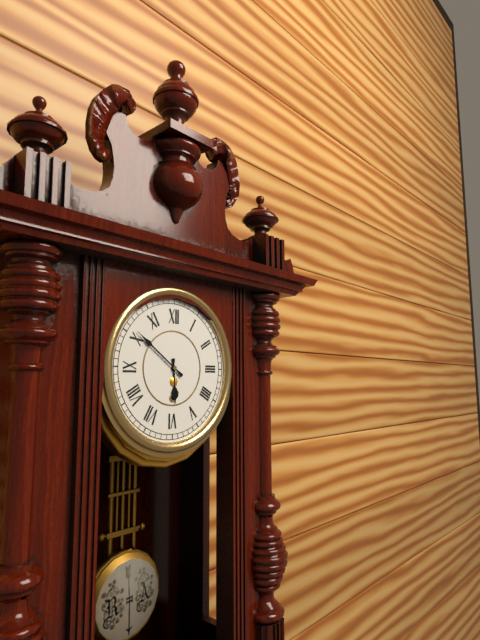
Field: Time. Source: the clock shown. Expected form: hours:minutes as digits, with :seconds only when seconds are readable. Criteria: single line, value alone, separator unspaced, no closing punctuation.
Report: 5:51
